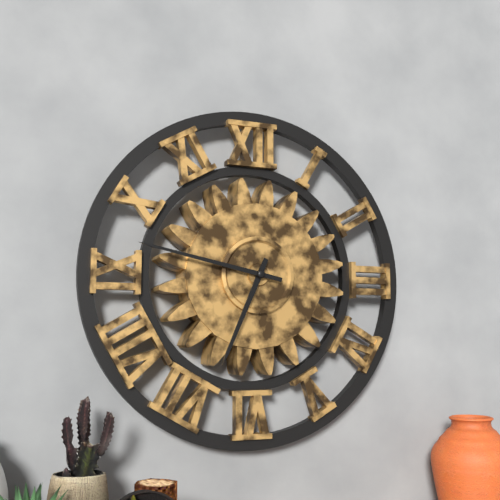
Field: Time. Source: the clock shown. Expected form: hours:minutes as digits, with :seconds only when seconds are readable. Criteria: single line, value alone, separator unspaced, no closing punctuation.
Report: 6:47
